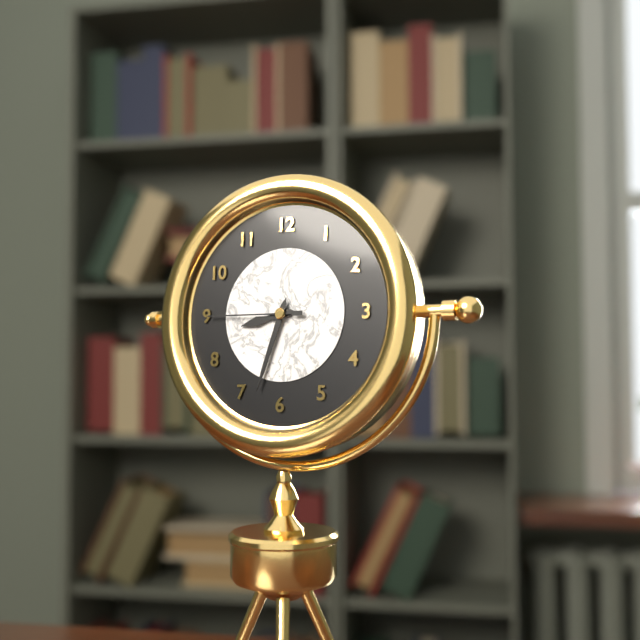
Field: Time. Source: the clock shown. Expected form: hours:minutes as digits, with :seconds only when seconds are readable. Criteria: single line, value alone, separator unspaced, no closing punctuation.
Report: 8:33:45
